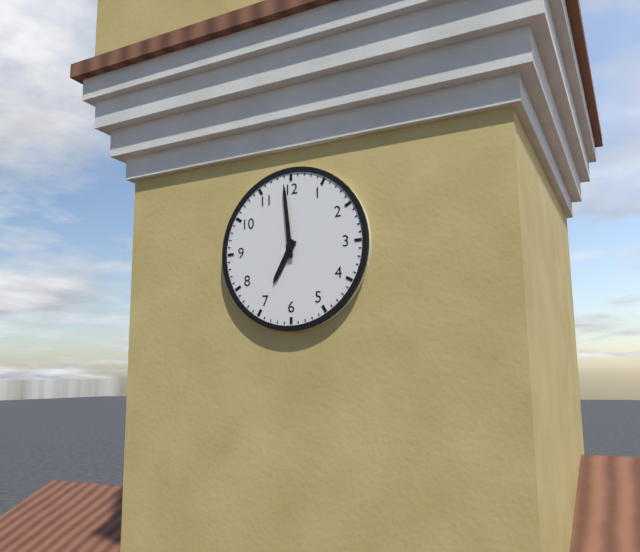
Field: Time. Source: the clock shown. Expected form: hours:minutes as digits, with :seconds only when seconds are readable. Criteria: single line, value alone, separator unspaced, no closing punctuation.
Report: 6:59
